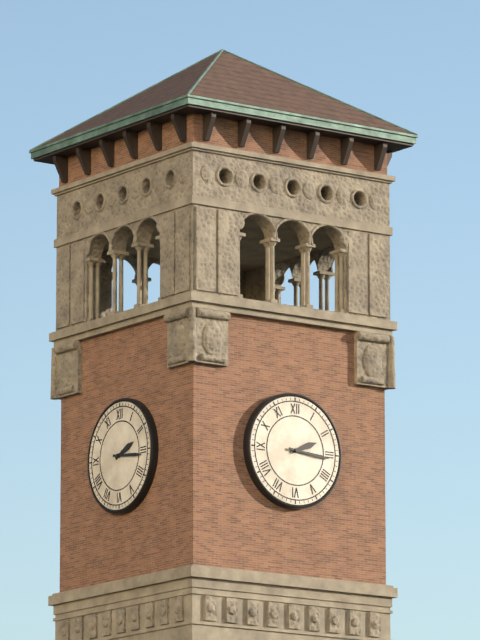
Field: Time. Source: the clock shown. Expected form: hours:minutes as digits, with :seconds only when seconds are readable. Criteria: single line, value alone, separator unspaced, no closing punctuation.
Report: 2:16
